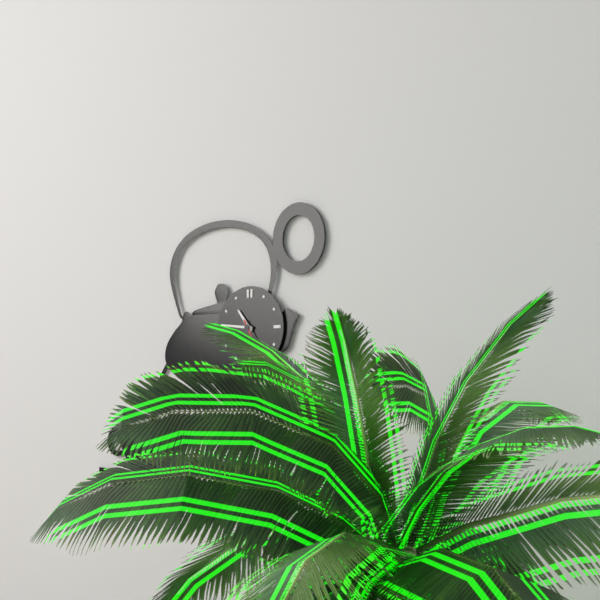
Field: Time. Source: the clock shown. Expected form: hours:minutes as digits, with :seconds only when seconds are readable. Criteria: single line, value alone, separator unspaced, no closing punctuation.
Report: 10:46
